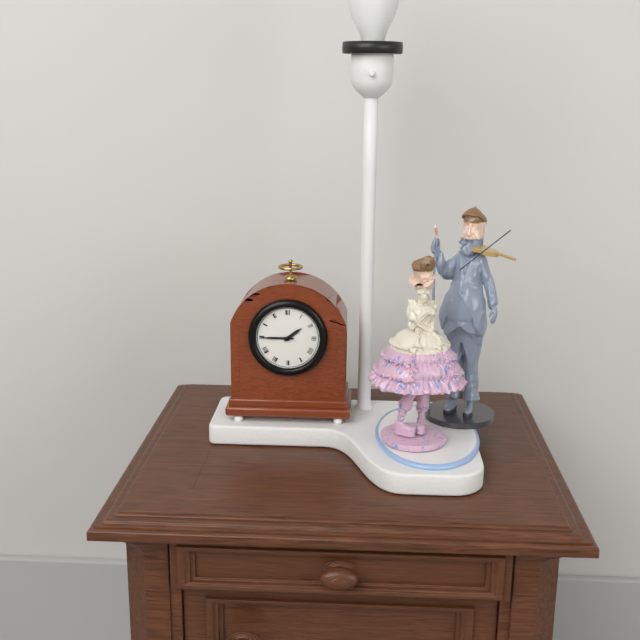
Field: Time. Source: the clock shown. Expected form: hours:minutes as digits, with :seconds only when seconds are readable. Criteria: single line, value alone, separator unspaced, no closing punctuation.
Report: 1:45
